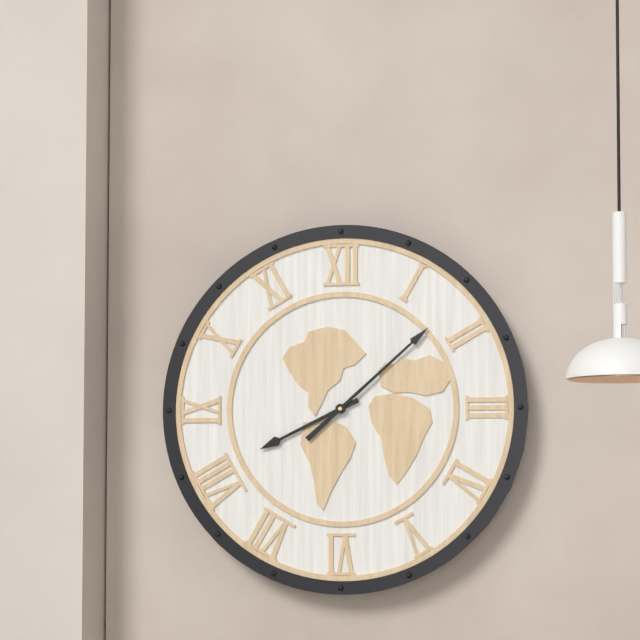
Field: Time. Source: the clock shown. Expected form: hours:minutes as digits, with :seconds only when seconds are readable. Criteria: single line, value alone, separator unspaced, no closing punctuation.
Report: 8:08
